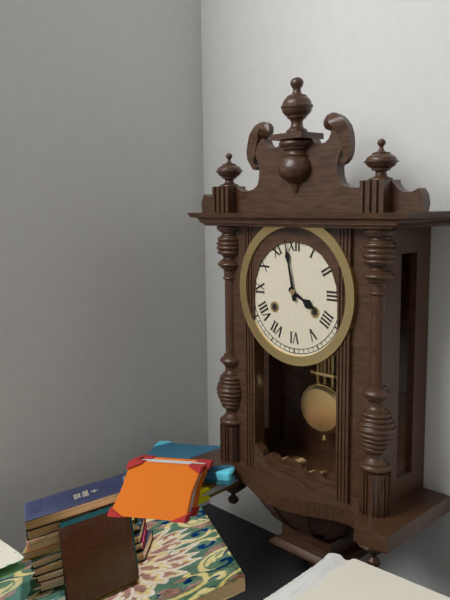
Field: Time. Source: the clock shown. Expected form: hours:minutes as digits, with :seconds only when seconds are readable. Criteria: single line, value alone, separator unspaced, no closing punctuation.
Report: 3:58
